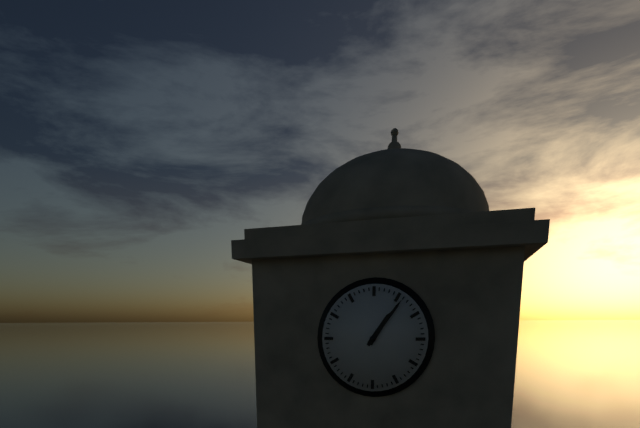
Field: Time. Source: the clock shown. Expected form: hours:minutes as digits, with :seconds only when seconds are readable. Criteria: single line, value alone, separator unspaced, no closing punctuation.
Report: 1:06
